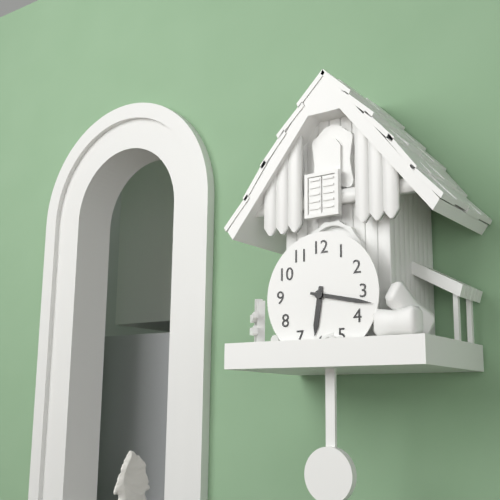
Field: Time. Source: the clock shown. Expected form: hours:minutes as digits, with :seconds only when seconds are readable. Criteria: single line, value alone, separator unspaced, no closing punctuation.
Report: 6:17
